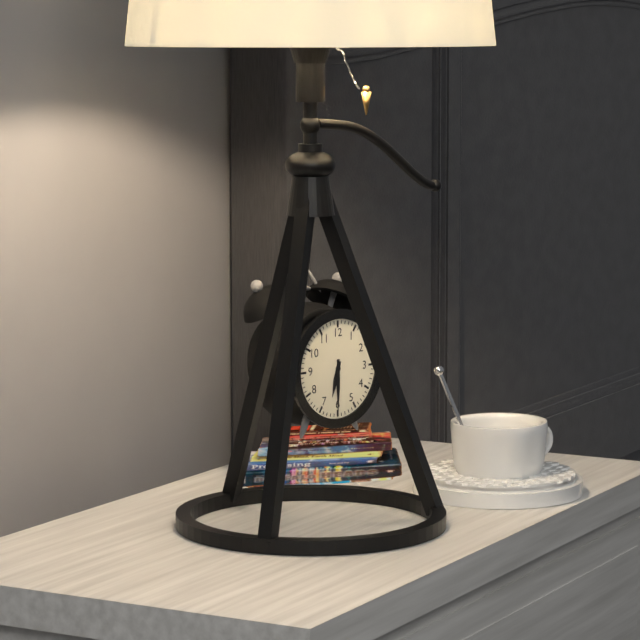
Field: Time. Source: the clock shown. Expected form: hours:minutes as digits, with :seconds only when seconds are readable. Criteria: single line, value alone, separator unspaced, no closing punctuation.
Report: 6:30
